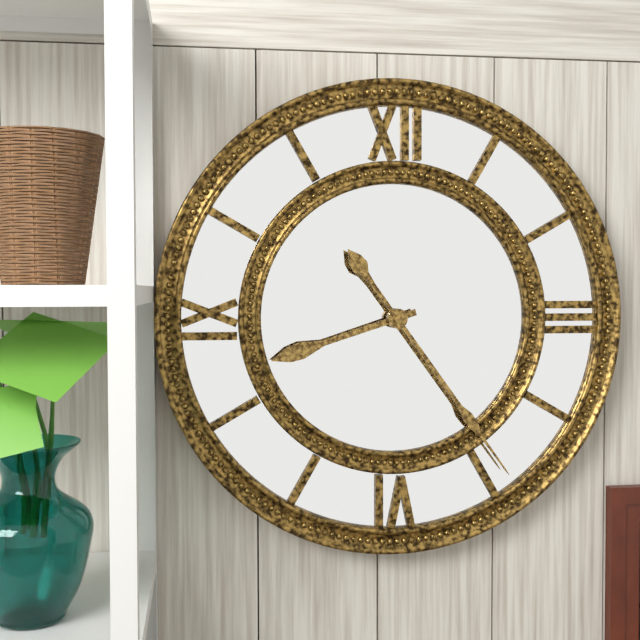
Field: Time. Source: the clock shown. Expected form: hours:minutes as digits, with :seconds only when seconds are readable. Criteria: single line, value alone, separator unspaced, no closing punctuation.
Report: 8:24
